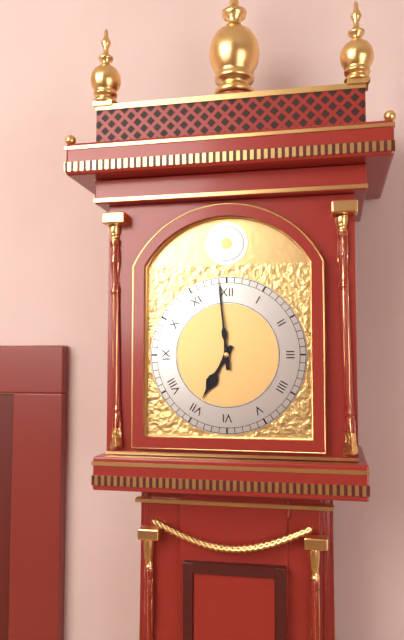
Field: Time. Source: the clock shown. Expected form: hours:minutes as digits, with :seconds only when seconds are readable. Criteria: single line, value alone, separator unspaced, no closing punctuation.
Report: 6:59
